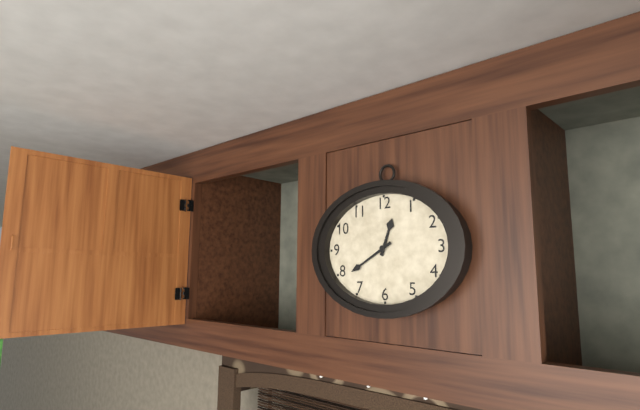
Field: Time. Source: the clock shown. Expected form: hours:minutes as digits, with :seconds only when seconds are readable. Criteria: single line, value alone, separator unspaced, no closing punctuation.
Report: 12:40
